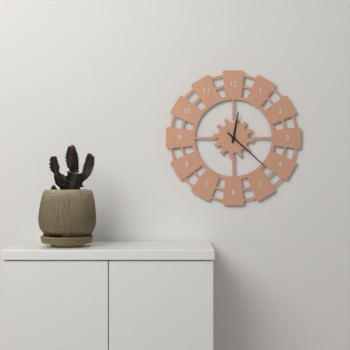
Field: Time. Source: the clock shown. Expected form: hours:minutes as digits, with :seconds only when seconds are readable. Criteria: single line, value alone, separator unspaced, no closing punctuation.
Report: 12:22
